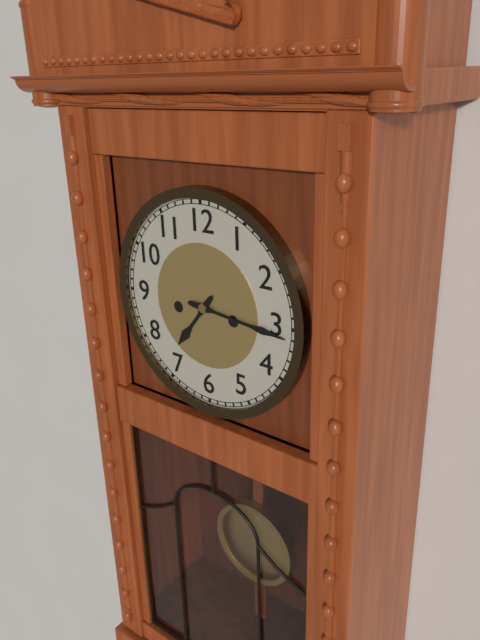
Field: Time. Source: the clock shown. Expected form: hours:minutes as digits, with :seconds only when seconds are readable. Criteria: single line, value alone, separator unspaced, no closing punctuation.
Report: 7:16
